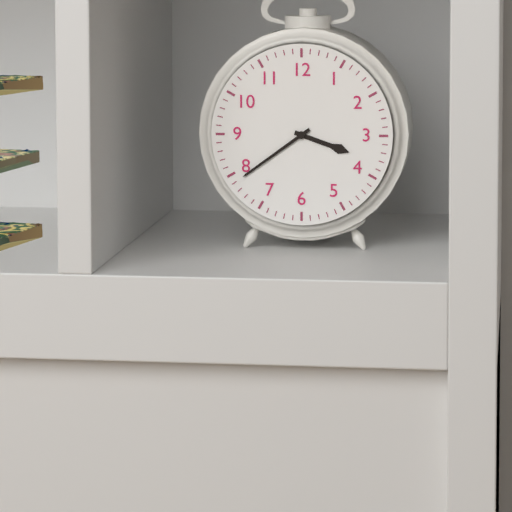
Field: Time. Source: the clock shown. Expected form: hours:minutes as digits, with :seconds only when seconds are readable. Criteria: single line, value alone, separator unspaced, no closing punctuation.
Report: 3:39
